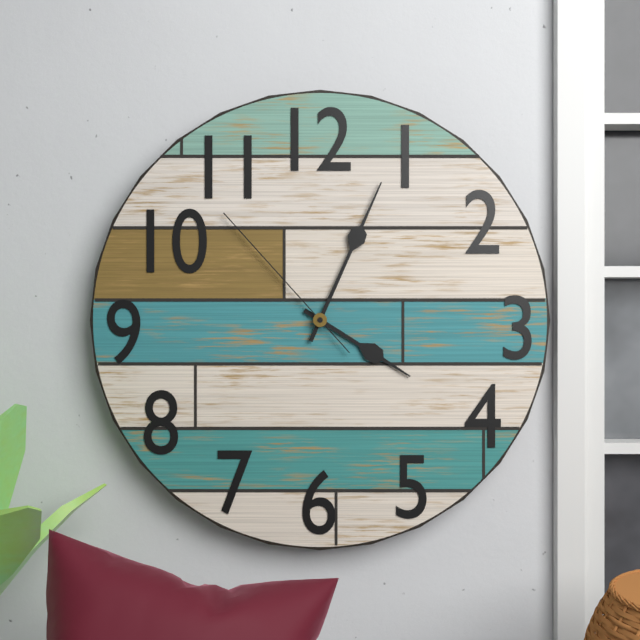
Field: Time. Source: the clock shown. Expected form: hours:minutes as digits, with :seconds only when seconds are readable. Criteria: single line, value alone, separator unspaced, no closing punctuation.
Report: 4:04:53
